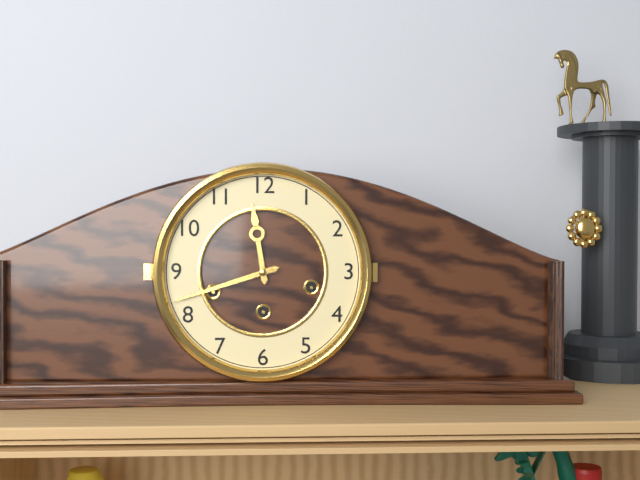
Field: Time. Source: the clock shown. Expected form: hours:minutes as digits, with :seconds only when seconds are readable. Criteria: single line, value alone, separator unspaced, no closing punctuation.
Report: 11:42
